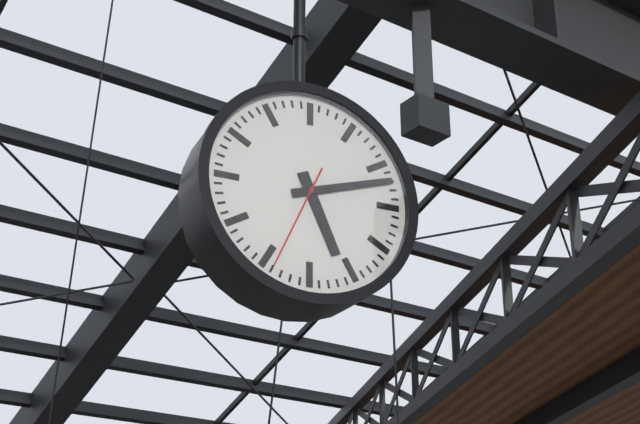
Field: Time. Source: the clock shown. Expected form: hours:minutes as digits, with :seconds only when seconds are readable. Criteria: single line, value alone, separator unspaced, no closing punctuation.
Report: 5:12:34
